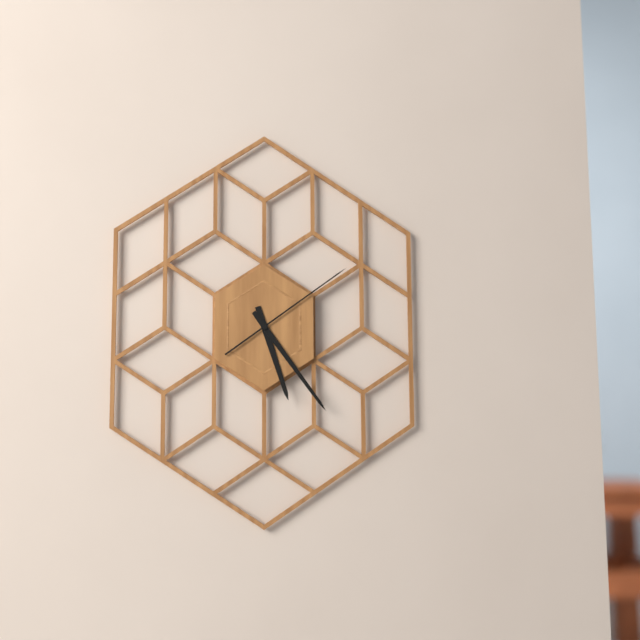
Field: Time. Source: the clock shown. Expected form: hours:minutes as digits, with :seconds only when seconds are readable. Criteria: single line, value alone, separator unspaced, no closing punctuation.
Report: 5:24:09
